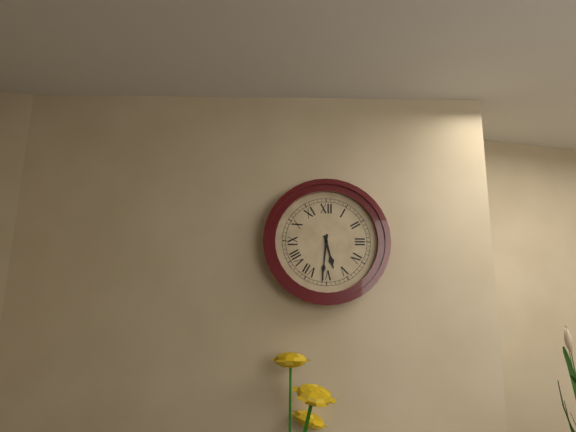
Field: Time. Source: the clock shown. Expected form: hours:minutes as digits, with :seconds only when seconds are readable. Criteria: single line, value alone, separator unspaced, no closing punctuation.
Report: 5:31
